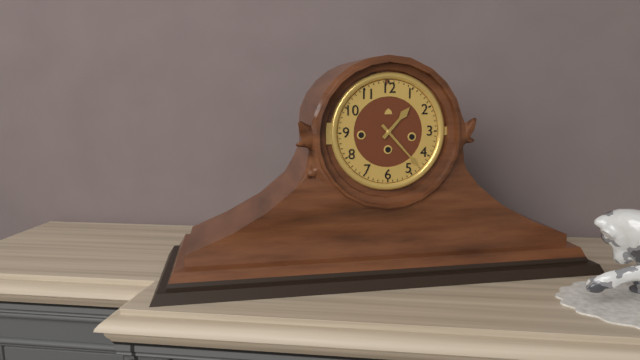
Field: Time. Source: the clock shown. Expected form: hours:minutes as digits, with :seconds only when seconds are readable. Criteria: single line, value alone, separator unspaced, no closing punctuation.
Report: 1:23
